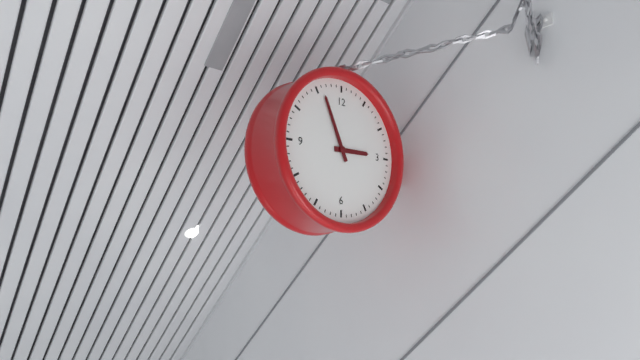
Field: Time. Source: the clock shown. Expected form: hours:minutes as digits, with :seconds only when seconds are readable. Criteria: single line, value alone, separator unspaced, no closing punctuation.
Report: 2:56
